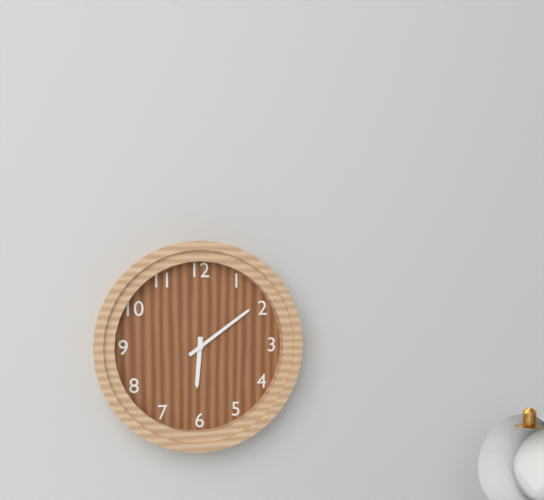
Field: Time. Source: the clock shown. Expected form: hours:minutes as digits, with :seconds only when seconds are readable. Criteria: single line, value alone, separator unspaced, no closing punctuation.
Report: 6:09
